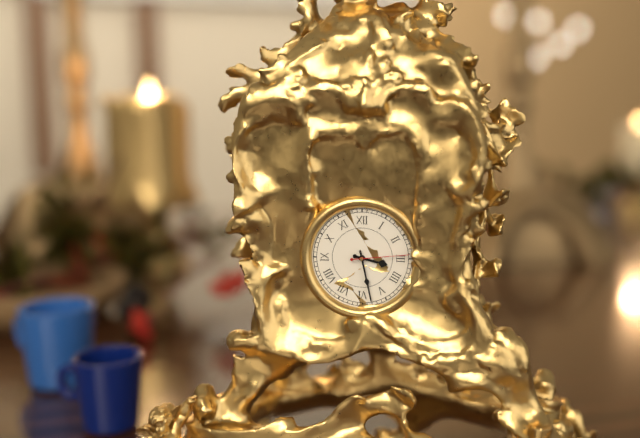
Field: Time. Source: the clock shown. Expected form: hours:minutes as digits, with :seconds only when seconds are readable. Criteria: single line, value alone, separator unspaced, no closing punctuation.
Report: 3:28:14
